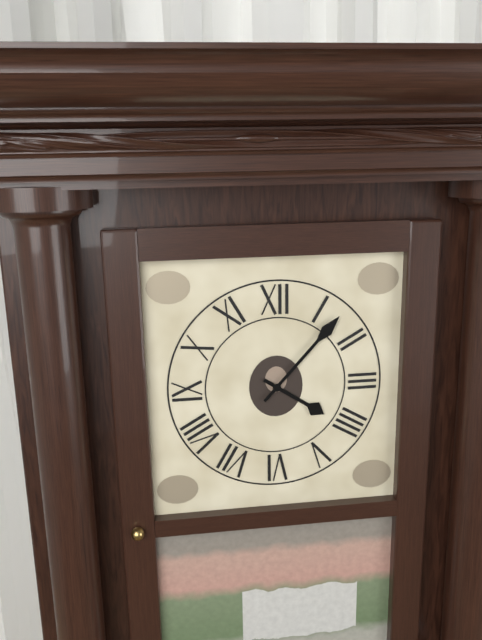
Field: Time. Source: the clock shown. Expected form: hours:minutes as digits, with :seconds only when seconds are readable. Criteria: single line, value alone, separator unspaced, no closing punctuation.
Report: 4:07
